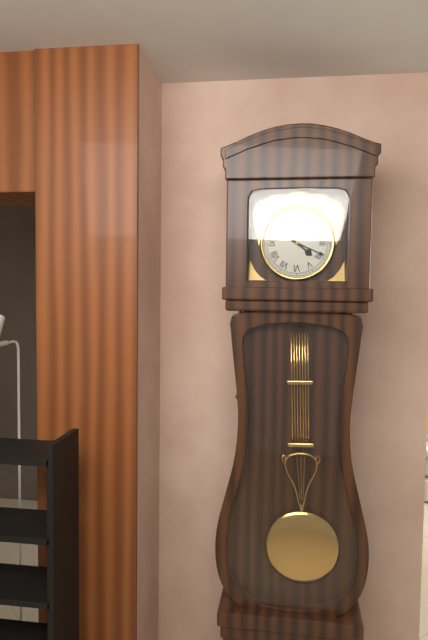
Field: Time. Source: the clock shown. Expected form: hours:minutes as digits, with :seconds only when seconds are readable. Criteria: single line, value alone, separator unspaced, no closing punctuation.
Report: 4:19
